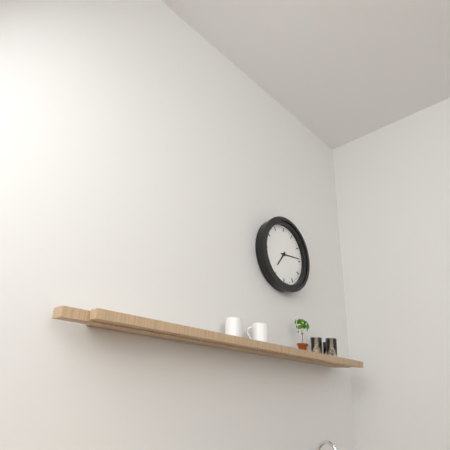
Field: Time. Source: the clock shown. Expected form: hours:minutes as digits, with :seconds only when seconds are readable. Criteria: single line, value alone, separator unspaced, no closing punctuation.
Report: 7:14
